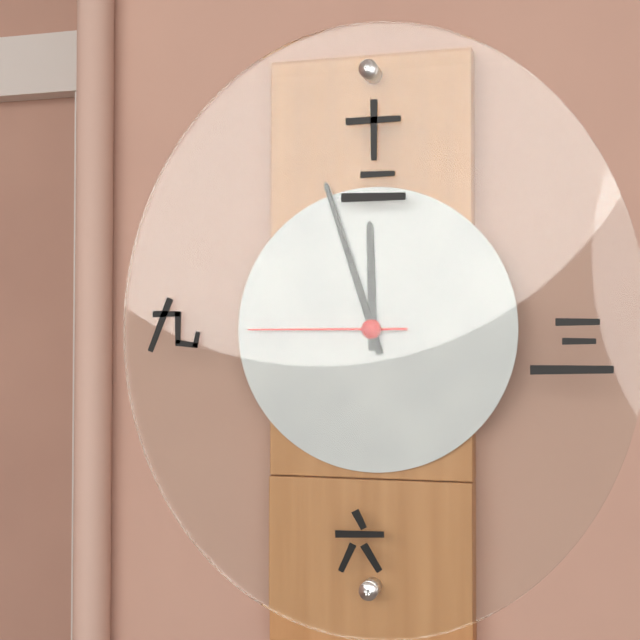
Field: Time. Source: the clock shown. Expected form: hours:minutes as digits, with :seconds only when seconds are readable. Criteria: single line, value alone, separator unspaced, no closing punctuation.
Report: 11:57:45
